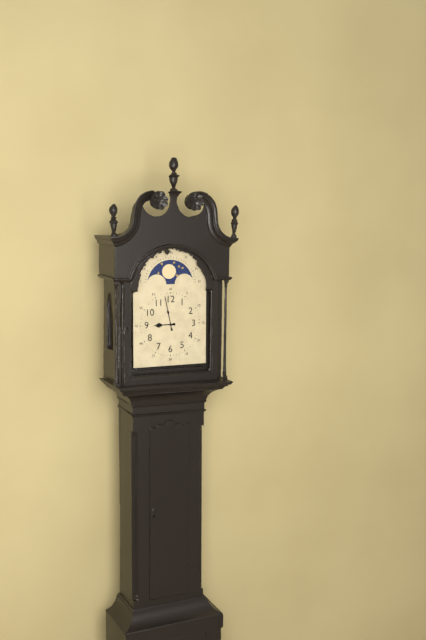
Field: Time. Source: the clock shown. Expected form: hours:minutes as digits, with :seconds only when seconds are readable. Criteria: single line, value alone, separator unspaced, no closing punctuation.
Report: 8:58
